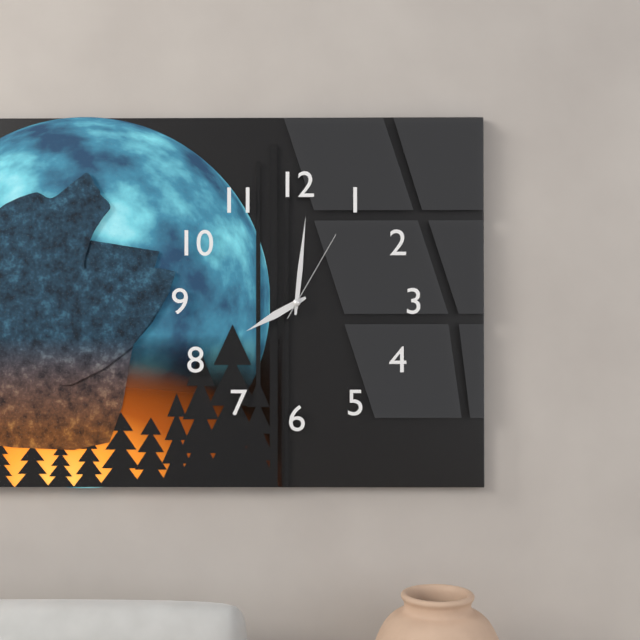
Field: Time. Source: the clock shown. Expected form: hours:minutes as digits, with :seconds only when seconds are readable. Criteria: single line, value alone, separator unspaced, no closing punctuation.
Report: 8:01:05
